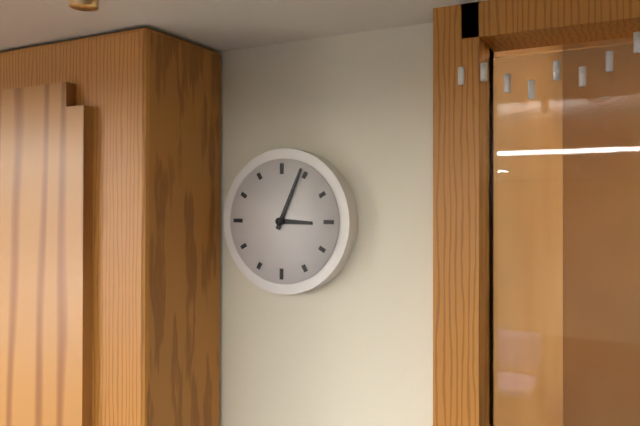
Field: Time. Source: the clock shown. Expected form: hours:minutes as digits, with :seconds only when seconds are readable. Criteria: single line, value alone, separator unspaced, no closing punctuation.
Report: 3:04
